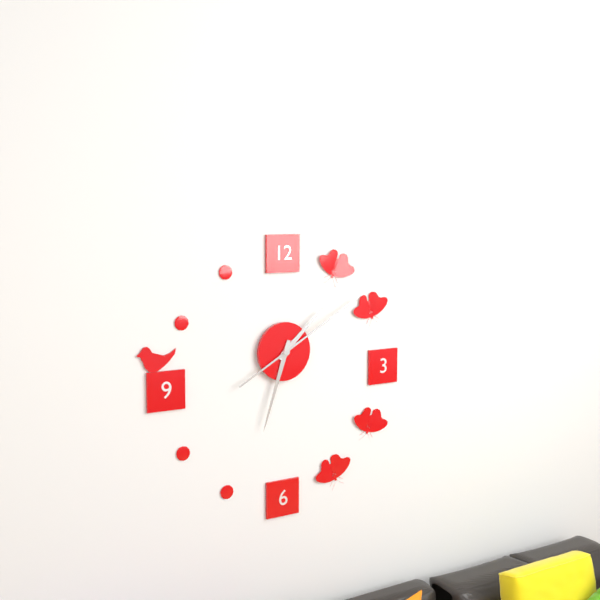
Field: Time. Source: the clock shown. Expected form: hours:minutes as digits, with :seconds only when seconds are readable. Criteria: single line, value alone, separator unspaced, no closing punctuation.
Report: 1:33:10
